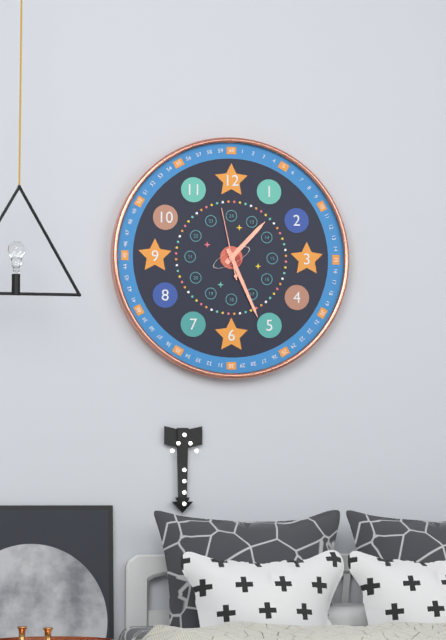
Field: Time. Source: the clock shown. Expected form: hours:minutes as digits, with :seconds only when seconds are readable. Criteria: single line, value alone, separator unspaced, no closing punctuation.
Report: 1:26:58
